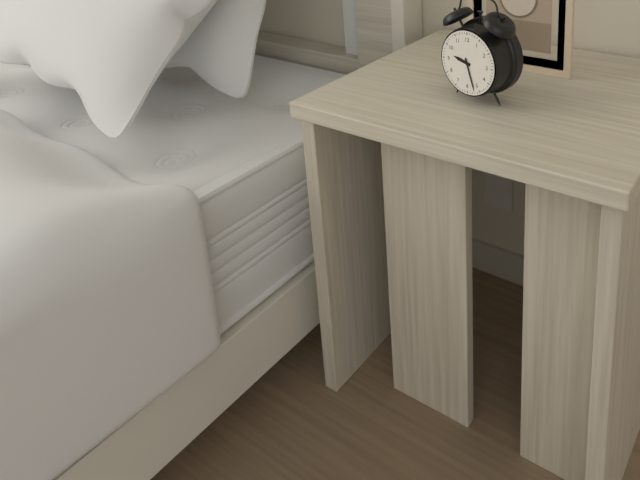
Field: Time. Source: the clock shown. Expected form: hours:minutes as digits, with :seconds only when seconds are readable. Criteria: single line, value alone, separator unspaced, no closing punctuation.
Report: 9:27
